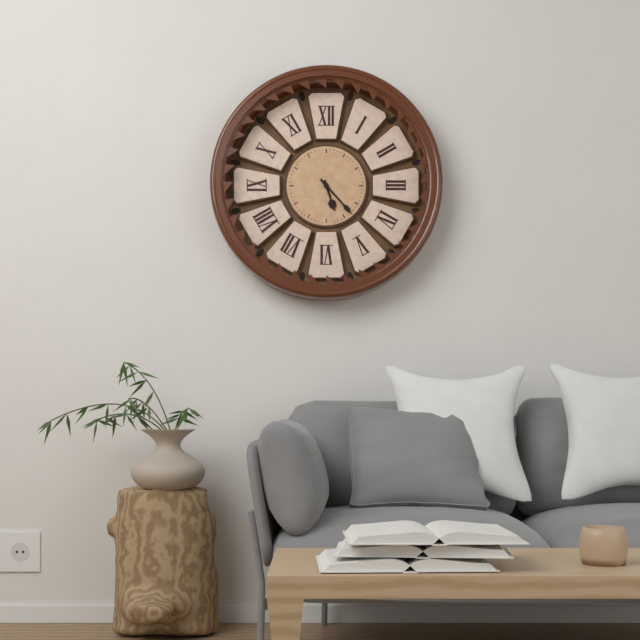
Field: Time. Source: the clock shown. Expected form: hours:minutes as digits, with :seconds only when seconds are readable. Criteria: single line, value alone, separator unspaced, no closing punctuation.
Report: 5:23
